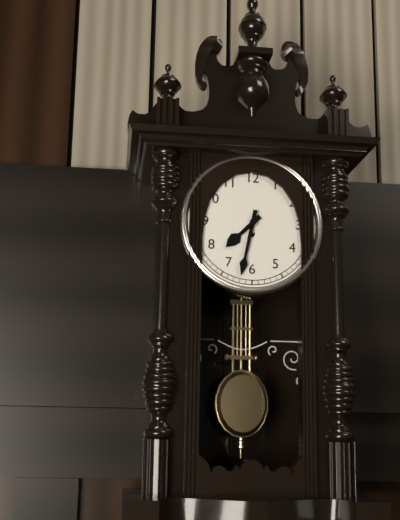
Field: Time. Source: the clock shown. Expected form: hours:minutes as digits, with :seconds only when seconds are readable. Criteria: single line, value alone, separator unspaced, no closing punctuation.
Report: 7:32
